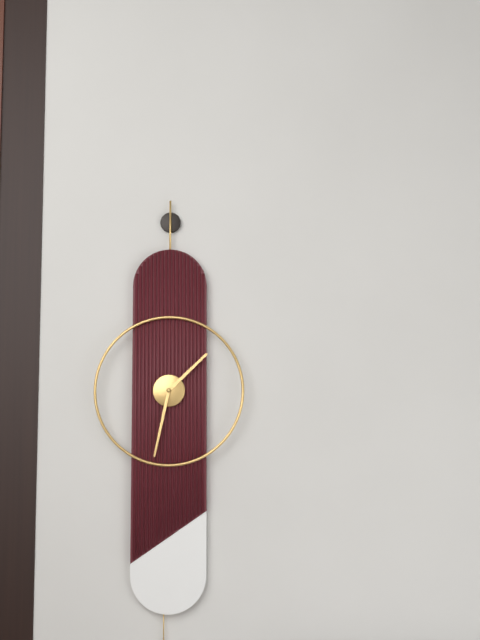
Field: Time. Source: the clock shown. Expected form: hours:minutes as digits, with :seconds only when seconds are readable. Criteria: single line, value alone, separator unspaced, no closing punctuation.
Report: 1:32
